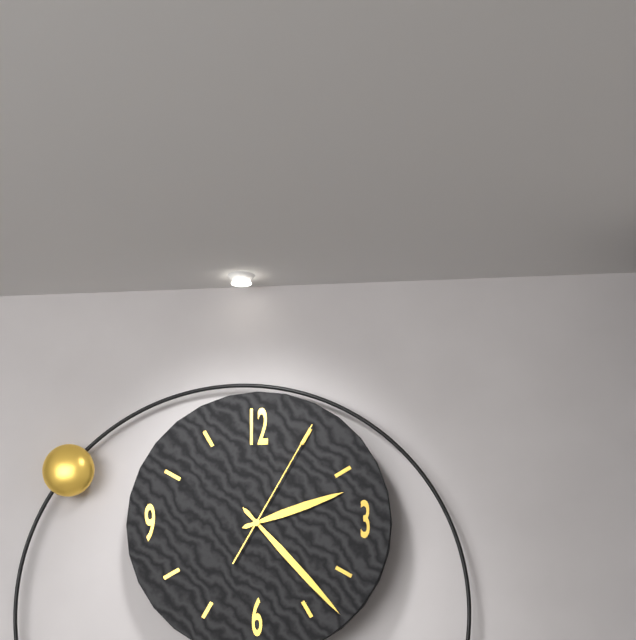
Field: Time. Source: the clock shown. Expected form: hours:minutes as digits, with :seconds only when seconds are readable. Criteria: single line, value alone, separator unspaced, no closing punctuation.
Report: 2:23:05
